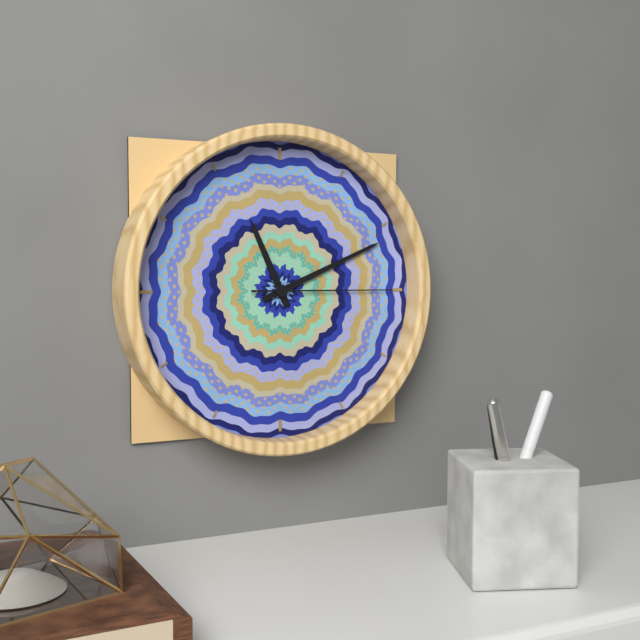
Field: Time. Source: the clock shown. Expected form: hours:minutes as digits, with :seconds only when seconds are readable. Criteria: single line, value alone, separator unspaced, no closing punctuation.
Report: 11:11:15
